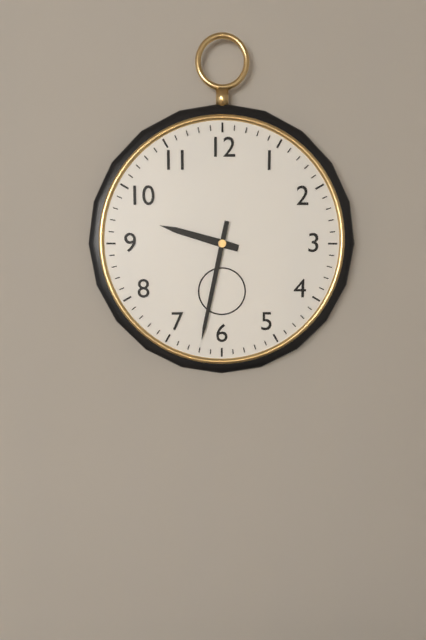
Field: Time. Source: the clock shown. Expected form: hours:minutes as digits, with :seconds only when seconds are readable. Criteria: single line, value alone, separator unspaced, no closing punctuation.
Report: 9:32
